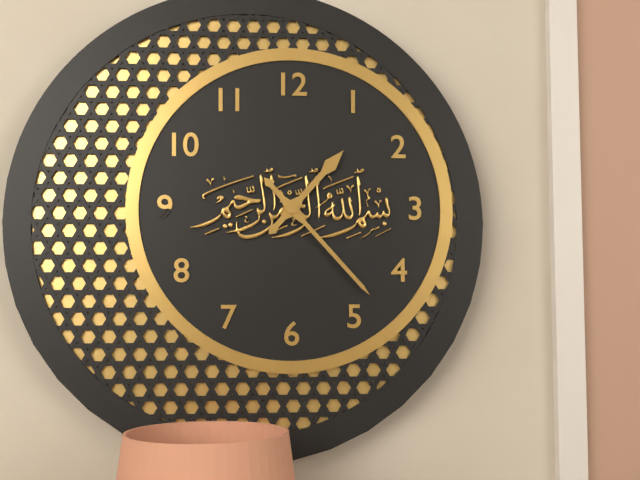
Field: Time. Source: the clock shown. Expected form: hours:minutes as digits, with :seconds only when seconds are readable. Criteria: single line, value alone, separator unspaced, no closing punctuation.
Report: 1:23
